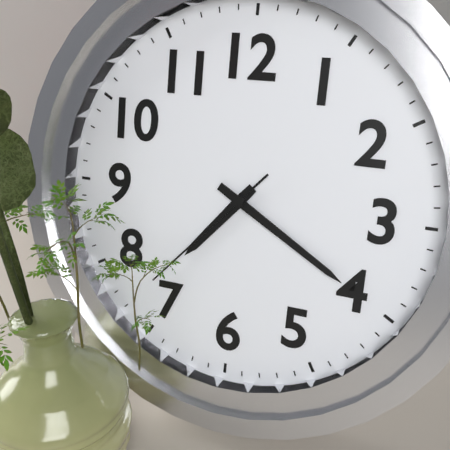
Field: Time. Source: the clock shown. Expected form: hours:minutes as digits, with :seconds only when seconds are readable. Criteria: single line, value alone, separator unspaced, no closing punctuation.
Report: 7:20:37
